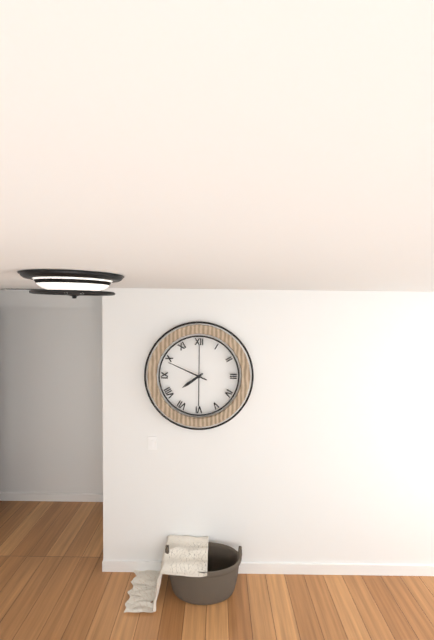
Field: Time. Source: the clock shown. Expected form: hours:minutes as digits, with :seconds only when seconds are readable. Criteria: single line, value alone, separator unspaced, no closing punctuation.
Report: 7:49
